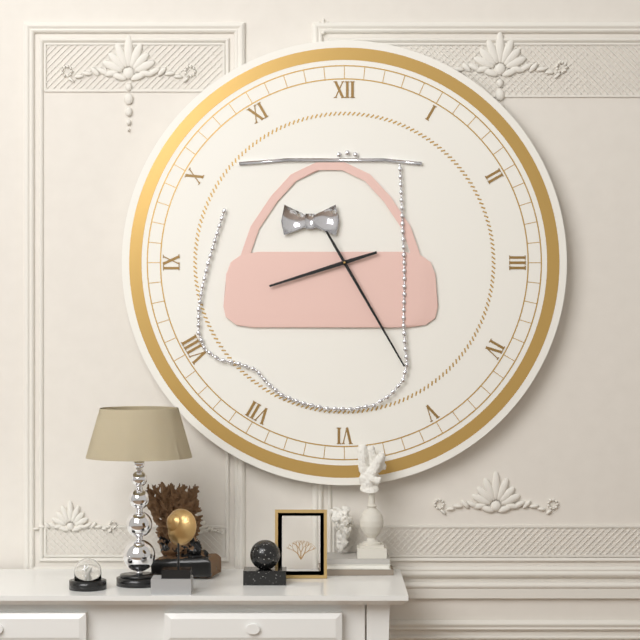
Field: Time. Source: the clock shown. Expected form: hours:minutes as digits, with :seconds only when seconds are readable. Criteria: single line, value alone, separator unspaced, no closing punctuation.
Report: 8:25
